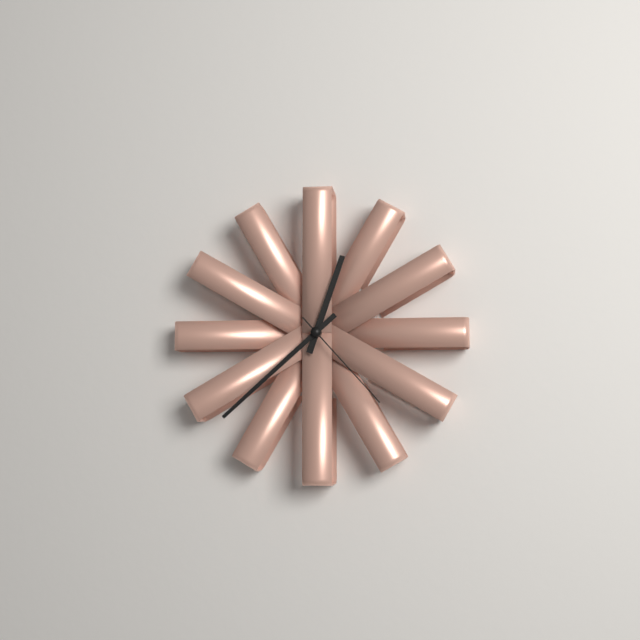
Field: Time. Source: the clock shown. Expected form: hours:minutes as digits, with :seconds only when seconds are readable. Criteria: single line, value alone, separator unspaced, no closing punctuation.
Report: 12:38:23
